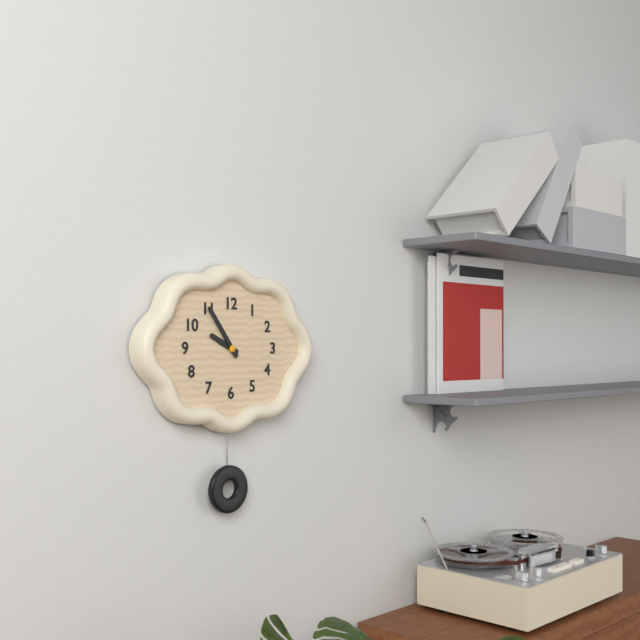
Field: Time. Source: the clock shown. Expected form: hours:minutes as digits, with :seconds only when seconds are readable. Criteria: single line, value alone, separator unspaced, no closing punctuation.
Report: 9:54
